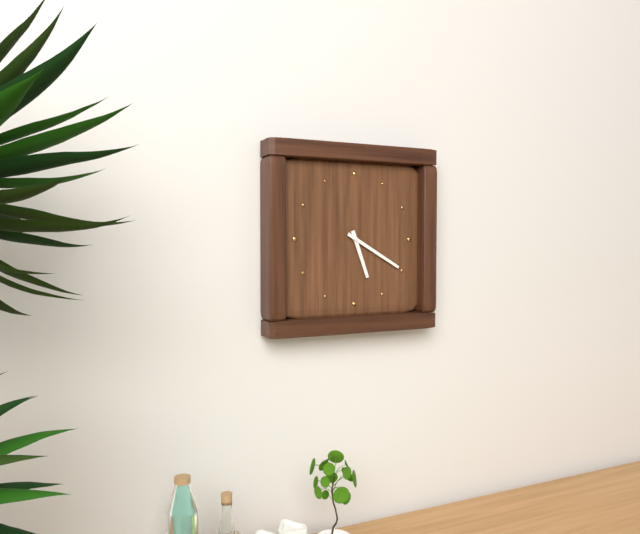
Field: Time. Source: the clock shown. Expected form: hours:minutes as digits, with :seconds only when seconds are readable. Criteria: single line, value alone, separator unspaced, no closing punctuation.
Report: 5:20
